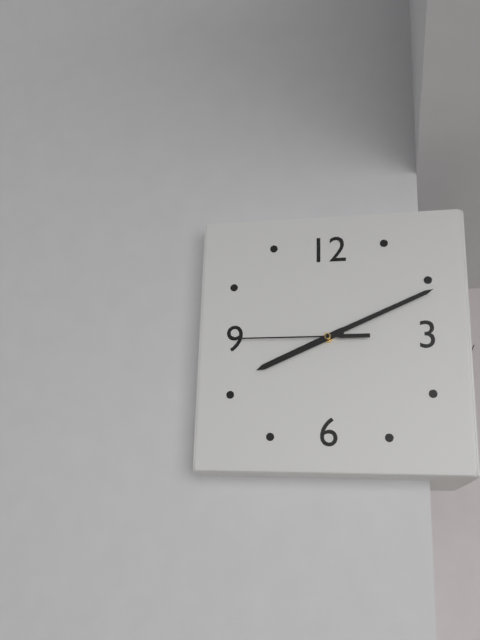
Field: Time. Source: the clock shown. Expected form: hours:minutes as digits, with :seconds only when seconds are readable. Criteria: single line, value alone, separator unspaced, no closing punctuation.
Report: 8:11:45
